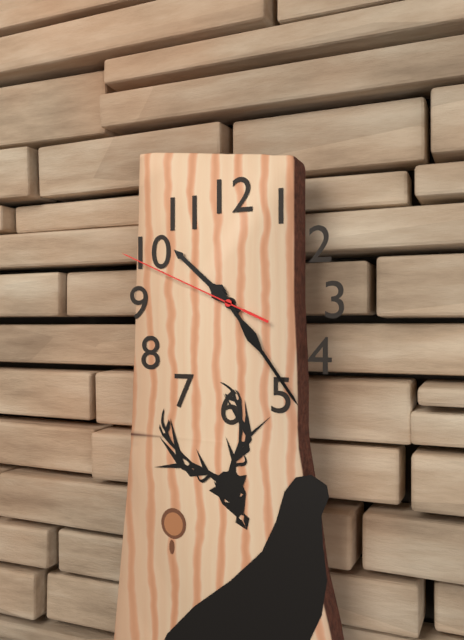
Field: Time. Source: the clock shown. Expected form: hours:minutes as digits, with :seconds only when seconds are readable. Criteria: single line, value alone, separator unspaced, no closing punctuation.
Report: 10:24:49
